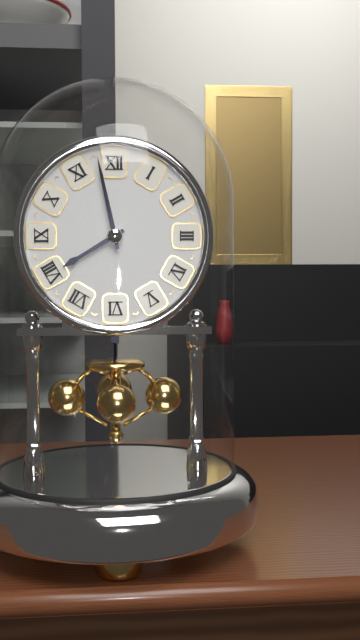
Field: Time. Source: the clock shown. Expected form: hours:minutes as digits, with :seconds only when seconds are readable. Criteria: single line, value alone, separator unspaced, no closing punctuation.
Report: 7:58
